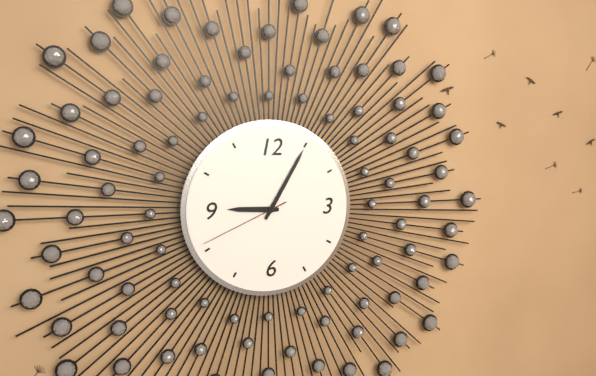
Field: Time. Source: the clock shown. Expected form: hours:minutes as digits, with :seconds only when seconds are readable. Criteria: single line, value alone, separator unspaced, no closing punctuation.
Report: 9:05:41
